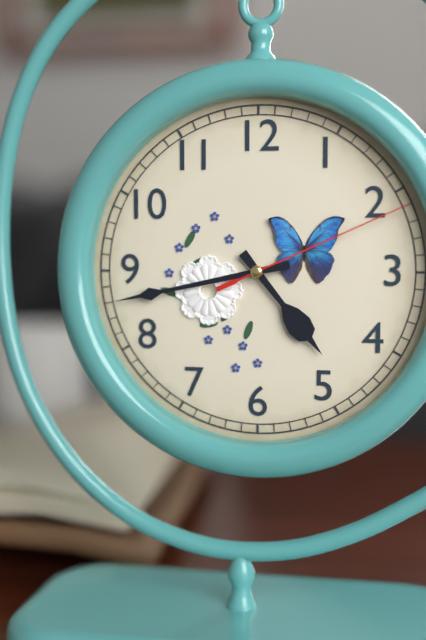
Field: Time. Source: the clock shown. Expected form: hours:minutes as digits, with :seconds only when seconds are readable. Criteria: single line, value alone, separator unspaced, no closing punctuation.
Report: 4:43:11
